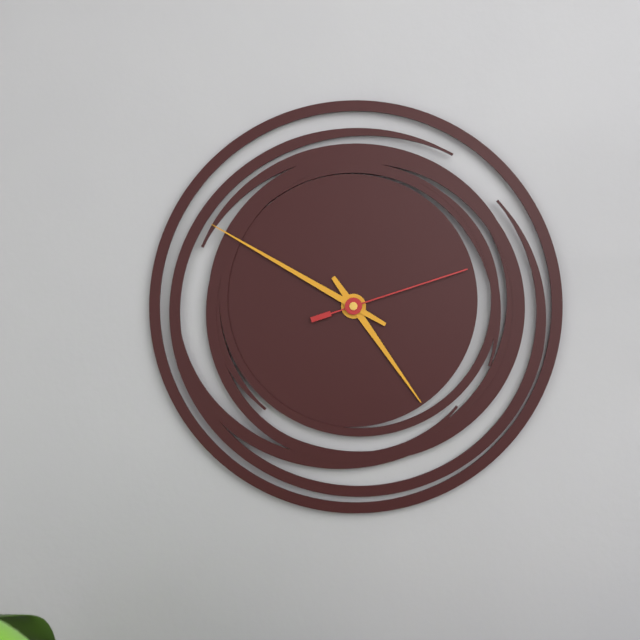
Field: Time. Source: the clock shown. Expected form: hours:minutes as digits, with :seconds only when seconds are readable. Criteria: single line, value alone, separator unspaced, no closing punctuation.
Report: 4:50:12
